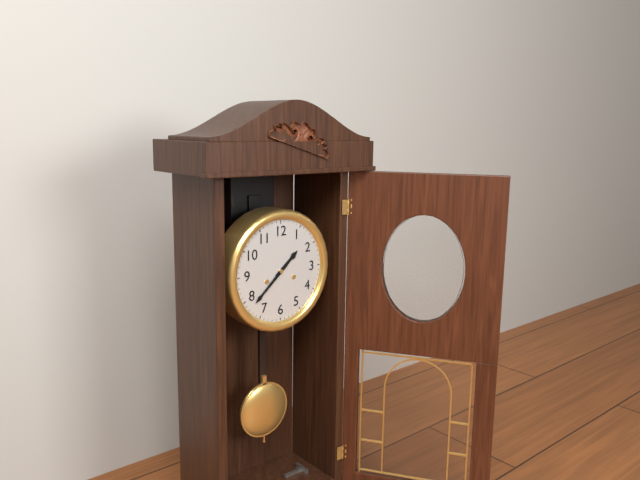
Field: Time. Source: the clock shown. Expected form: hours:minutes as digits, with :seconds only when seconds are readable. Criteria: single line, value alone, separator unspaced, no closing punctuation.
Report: 1:38
